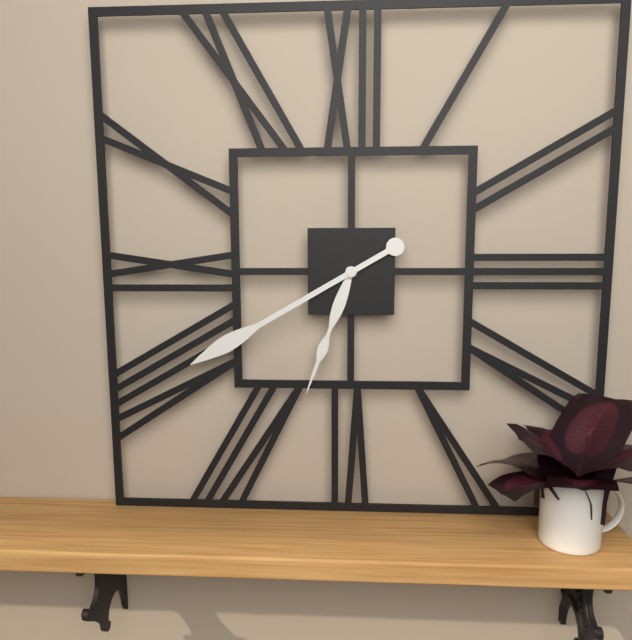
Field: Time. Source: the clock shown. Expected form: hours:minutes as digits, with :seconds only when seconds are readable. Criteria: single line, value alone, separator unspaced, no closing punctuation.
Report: 6:40
